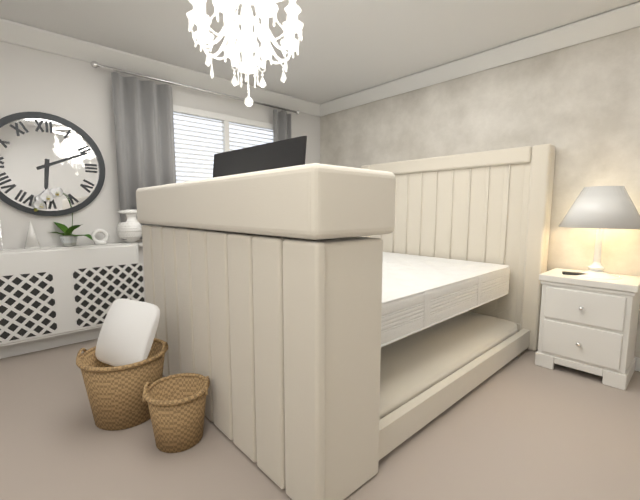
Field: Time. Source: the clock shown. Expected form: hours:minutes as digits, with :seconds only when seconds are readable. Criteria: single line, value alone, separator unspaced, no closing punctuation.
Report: 6:11
